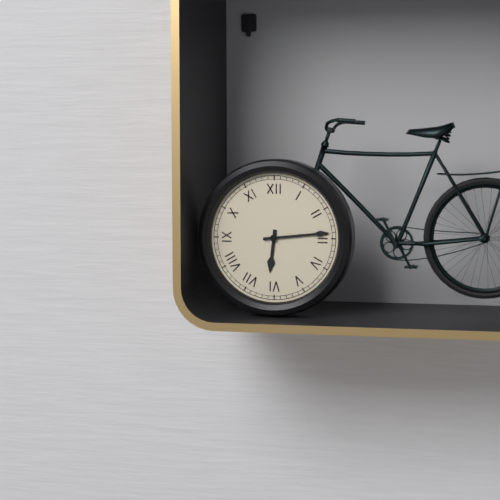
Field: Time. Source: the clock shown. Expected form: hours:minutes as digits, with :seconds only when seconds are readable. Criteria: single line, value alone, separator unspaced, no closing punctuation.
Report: 6:14
